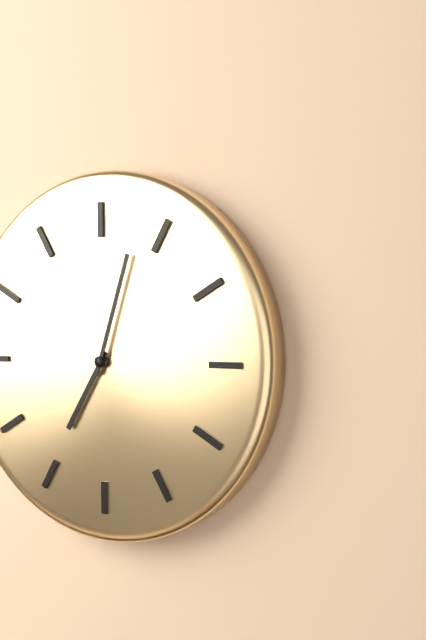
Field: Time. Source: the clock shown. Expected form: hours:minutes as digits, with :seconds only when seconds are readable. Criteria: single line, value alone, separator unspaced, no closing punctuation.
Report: 7:03
